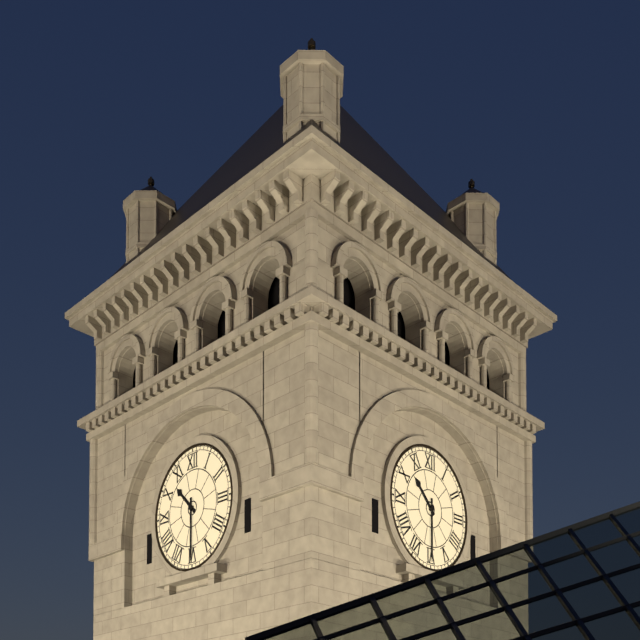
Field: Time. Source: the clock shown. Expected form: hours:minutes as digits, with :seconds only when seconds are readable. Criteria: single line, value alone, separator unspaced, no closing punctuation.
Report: 10:30
